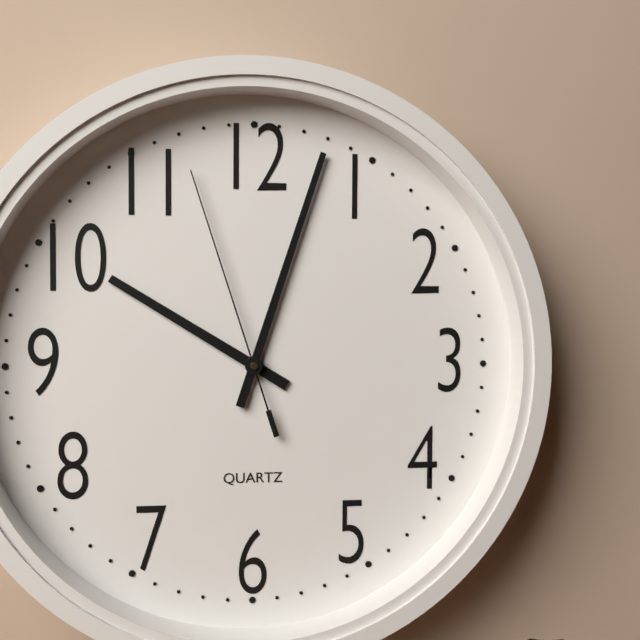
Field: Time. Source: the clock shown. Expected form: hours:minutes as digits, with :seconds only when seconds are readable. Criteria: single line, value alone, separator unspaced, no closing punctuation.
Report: 10:03:57
